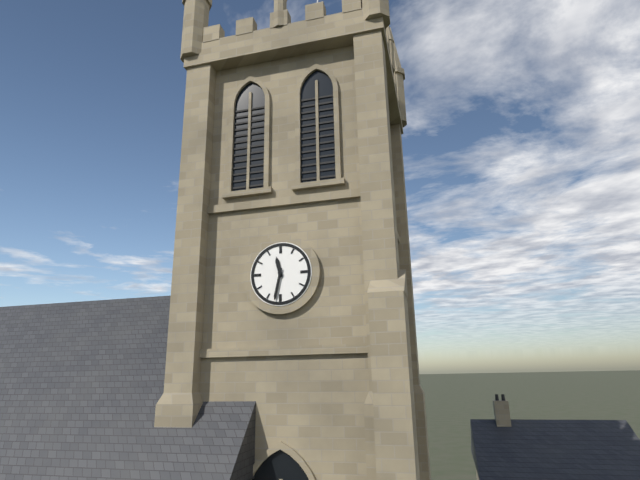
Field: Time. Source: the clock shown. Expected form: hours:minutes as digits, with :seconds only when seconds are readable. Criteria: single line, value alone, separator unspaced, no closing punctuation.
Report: 11:32
